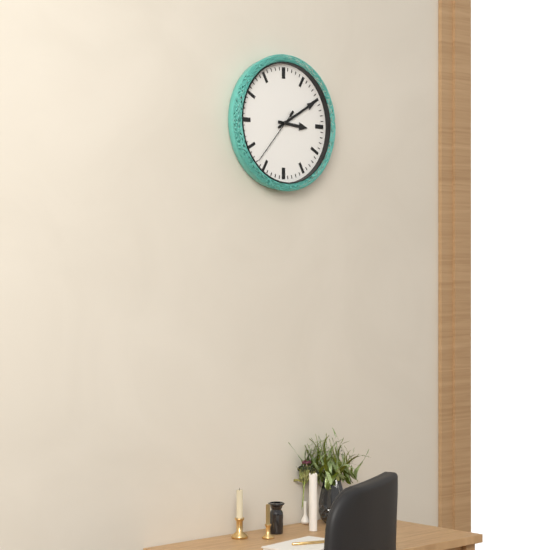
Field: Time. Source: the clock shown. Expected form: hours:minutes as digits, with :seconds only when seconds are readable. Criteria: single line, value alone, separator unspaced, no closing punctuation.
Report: 3:10:37
